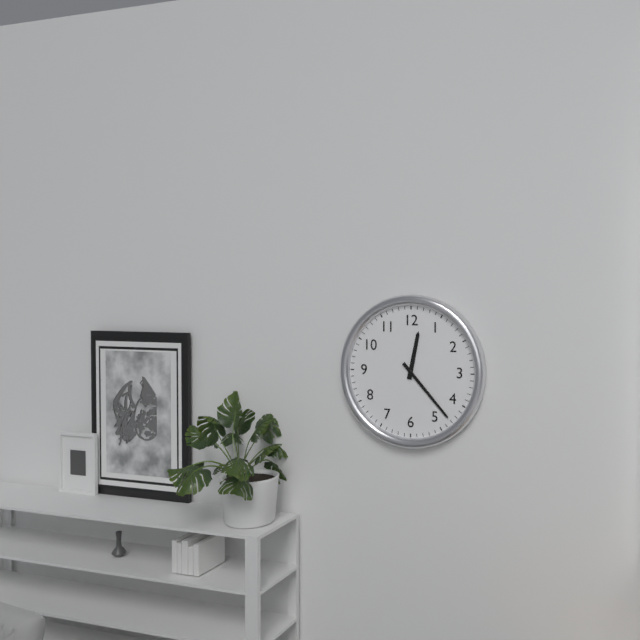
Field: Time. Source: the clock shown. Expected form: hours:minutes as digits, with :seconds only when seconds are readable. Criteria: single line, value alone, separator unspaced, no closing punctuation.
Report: 12:23
